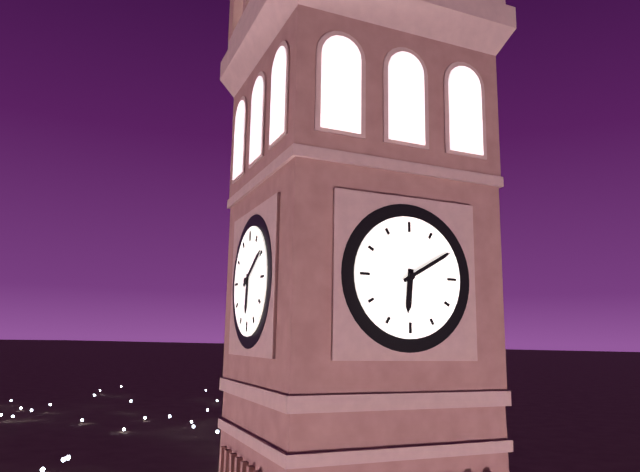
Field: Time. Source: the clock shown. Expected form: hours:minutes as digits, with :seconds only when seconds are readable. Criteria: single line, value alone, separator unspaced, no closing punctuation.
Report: 6:10
